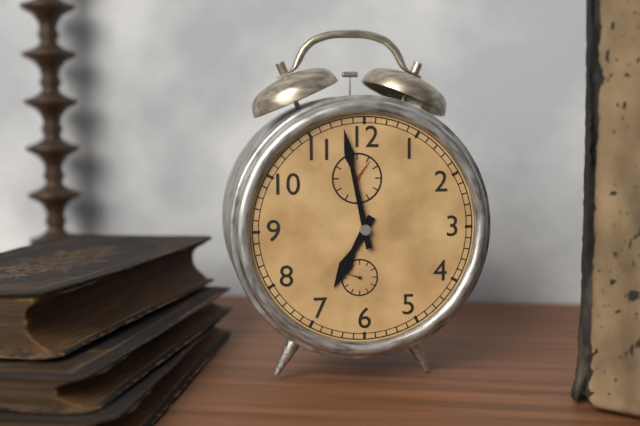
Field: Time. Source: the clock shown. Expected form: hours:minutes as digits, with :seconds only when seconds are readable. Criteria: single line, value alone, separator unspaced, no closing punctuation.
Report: 6:58
